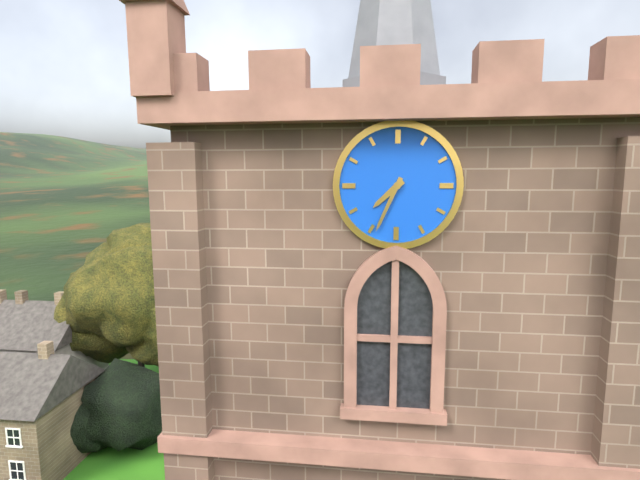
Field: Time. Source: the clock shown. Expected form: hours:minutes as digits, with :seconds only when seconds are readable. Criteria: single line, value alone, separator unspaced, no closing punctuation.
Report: 7:34
